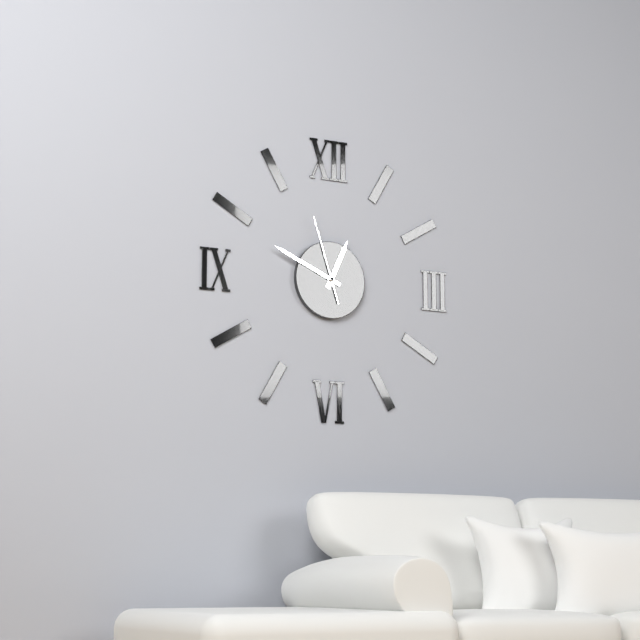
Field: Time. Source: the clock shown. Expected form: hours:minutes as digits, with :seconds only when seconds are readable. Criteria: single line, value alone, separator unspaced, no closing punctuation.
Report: 12:49:57
